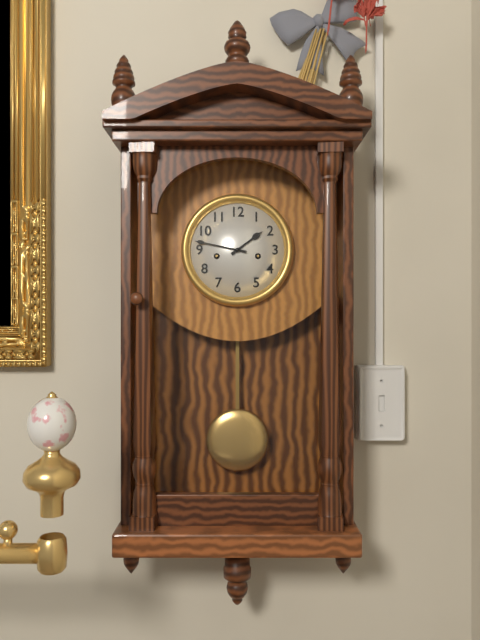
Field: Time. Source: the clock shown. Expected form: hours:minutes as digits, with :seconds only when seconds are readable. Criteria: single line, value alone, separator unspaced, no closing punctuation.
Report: 1:47
